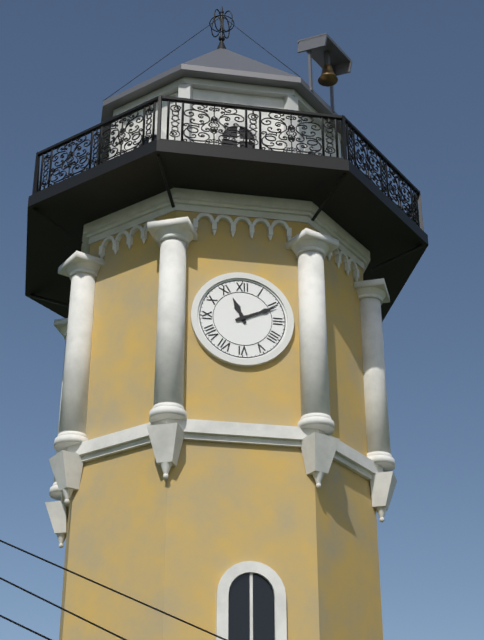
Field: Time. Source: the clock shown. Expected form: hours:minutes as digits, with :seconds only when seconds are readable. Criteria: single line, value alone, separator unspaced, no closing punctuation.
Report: 11:11
